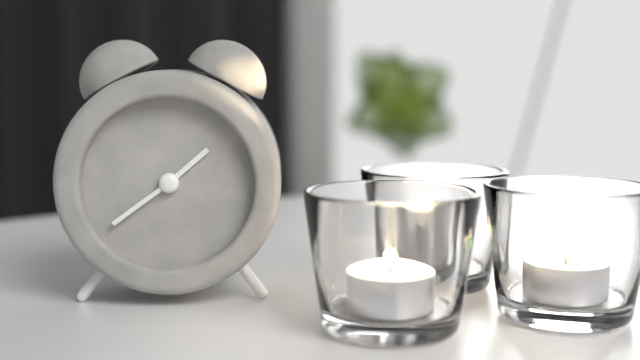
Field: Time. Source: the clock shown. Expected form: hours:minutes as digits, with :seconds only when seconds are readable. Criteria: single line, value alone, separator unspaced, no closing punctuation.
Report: 1:39
